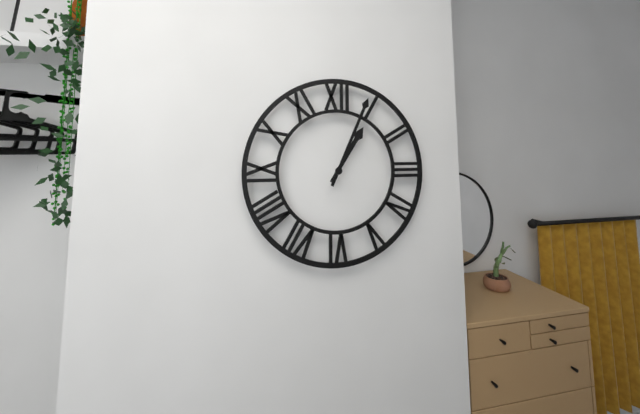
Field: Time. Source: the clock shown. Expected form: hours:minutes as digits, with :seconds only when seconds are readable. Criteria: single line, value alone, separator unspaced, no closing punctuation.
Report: 1:04
